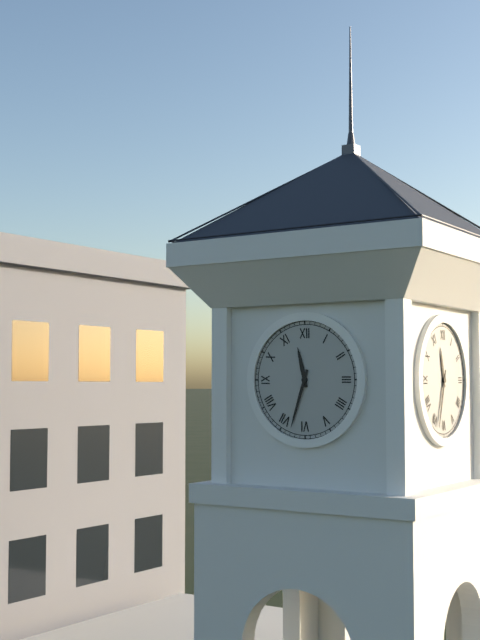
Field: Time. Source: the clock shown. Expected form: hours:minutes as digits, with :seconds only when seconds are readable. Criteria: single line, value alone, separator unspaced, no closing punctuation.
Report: 11:33
